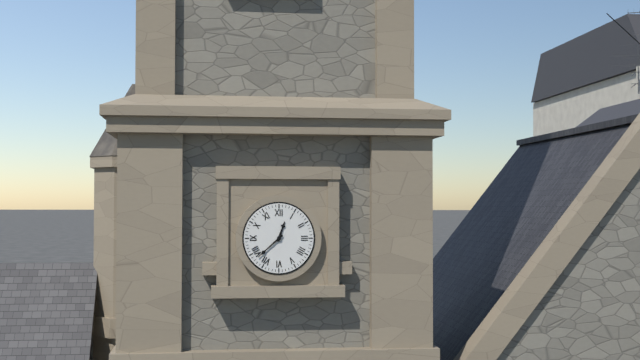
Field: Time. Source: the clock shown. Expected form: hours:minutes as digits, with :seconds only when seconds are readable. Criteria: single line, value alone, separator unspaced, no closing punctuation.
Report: 12:38
